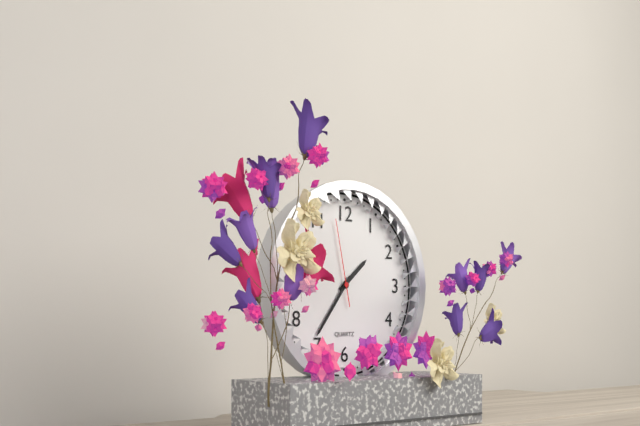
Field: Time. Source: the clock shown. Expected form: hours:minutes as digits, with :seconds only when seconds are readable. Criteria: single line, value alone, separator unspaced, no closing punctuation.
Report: 1:36:58
